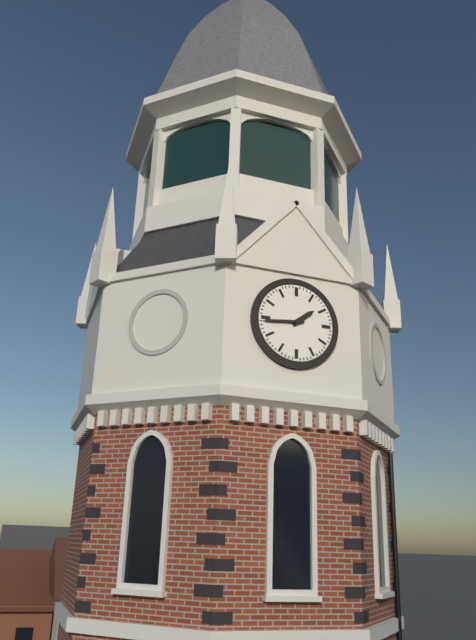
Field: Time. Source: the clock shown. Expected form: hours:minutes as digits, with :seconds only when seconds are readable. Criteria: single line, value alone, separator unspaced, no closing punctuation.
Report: 1:44
